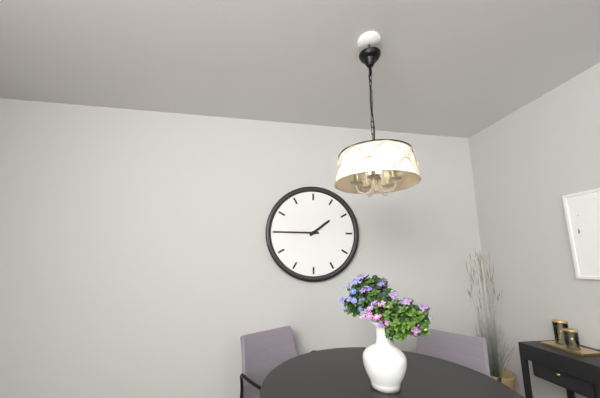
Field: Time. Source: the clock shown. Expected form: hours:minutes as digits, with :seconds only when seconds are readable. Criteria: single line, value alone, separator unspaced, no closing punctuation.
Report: 1:45
